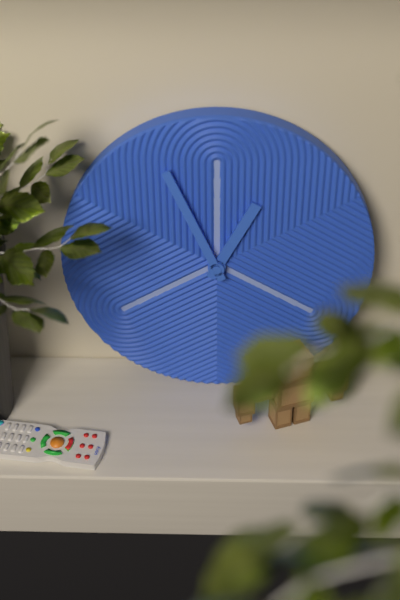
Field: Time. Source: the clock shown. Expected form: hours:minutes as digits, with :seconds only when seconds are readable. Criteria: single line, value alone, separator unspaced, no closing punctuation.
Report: 12:56
